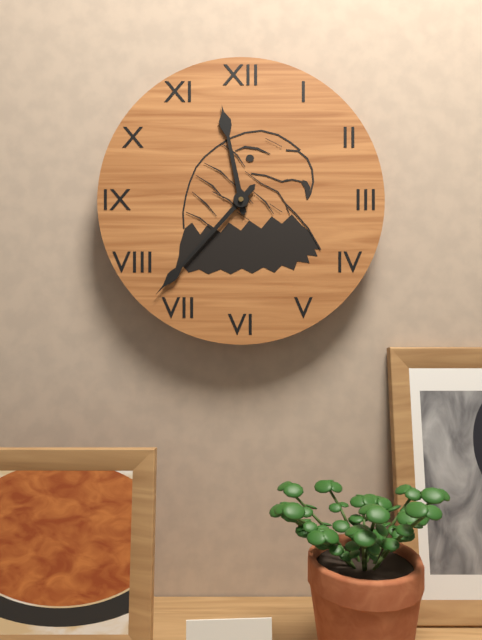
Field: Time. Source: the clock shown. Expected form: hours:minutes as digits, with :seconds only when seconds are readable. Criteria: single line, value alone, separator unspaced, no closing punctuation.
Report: 11:37
